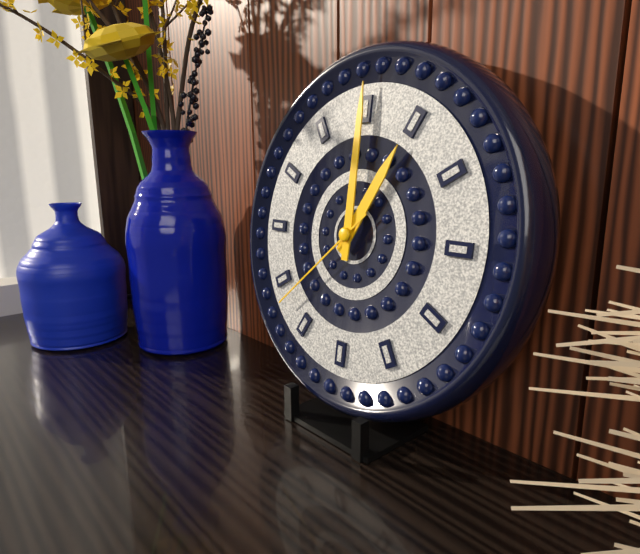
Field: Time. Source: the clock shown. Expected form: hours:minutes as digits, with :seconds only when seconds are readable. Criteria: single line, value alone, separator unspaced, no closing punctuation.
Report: 1:00:38
